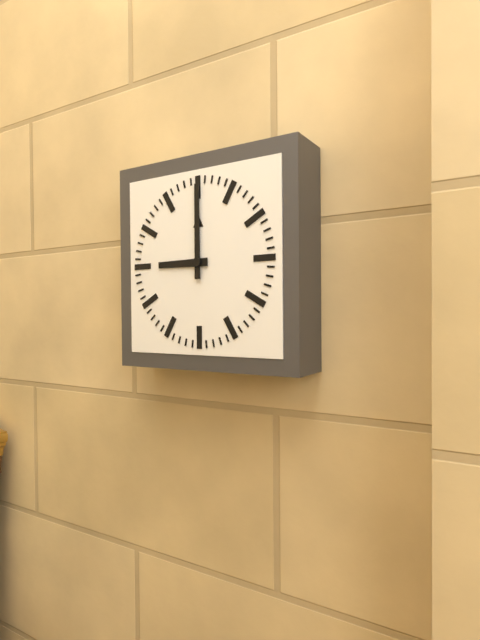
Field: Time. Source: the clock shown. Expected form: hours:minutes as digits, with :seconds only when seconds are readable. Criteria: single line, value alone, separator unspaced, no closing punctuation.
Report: 9:00
